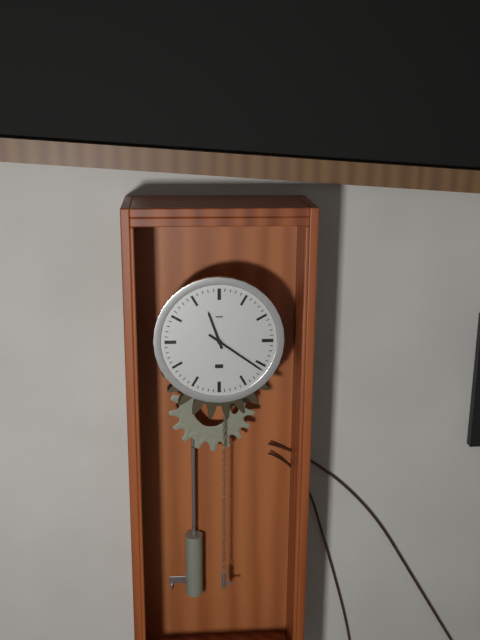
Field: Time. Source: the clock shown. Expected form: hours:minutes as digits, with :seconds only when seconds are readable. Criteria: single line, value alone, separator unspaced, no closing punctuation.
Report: 11:21
